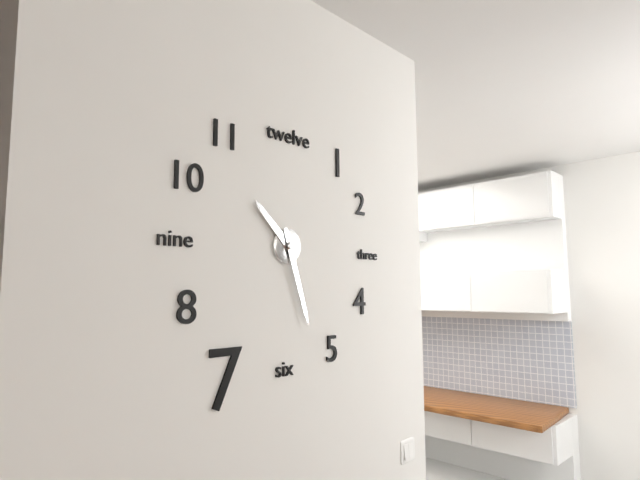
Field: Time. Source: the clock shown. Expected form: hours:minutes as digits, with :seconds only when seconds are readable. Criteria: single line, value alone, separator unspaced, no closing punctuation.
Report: 10:27
